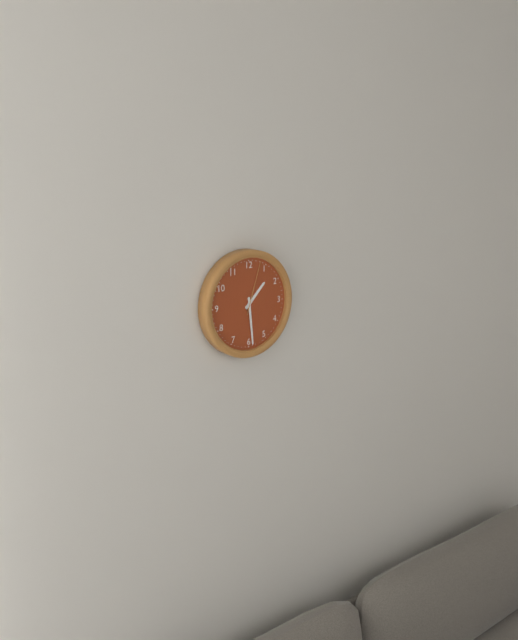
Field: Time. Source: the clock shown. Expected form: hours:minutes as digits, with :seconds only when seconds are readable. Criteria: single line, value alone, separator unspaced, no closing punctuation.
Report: 1:29:03
